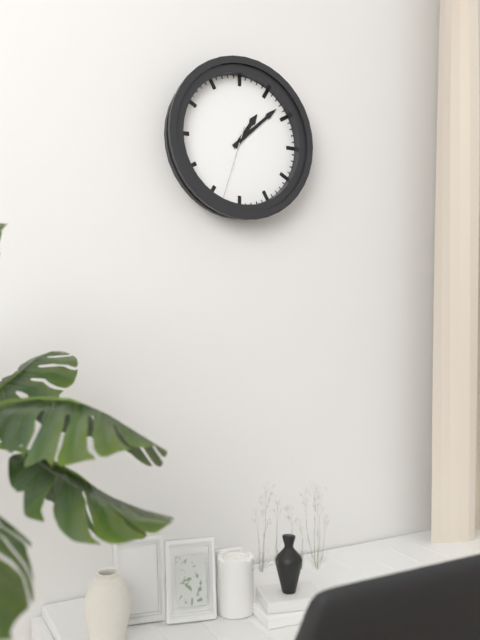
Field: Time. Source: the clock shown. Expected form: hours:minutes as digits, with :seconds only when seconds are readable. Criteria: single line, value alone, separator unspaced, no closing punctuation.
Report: 1:08:33
